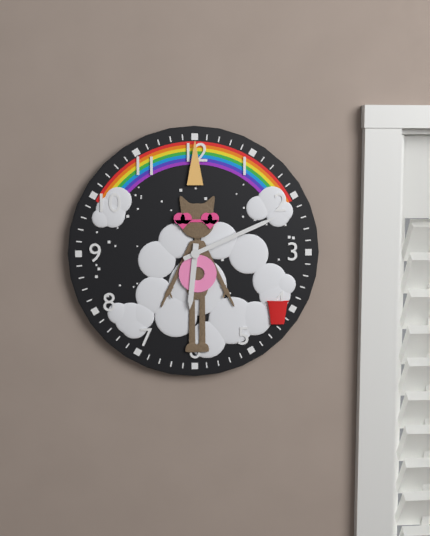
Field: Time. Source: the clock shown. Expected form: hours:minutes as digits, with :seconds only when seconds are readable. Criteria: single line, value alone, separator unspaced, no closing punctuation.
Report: 6:11
